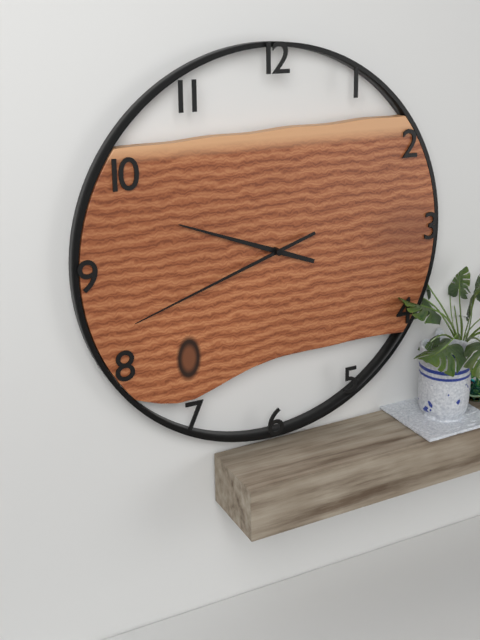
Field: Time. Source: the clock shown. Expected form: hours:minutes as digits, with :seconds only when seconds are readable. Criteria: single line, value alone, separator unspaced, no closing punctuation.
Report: 9:42
